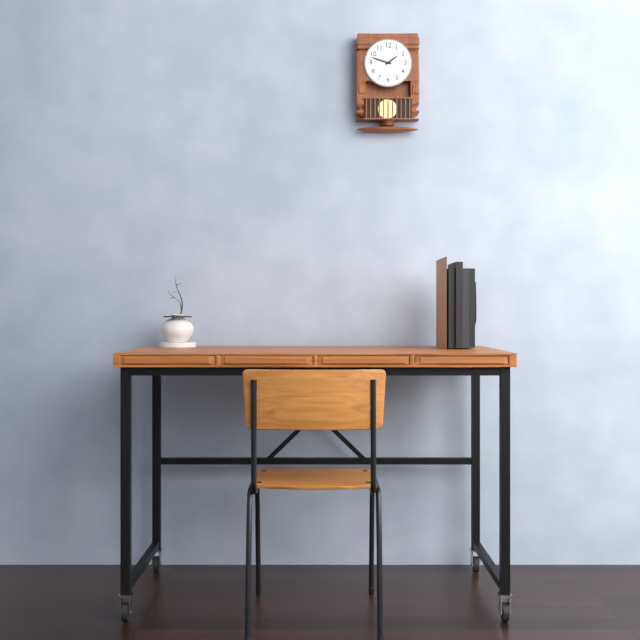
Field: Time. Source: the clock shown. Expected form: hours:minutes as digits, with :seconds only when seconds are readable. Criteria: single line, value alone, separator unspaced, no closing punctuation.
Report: 1:48
